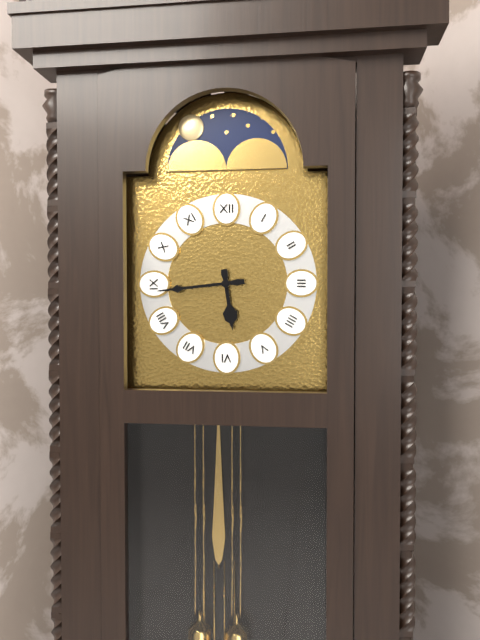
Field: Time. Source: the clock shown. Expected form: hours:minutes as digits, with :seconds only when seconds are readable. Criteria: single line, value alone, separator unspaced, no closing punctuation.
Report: 5:44
